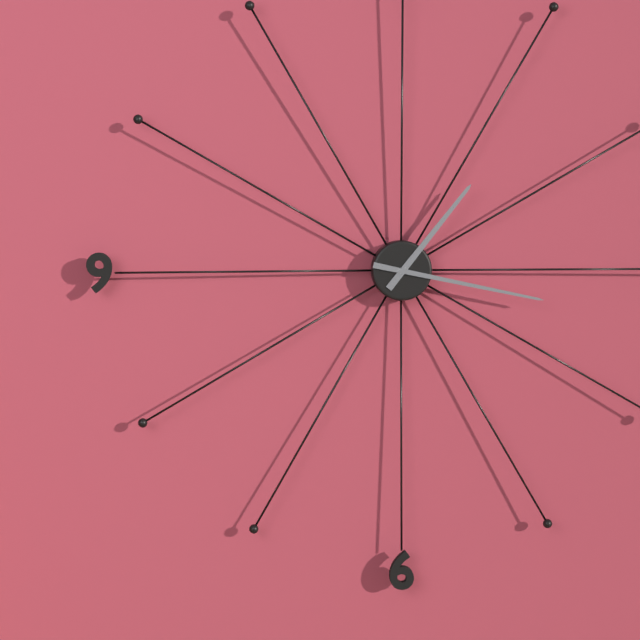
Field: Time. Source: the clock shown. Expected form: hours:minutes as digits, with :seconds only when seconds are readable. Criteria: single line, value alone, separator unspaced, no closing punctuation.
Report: 1:17
